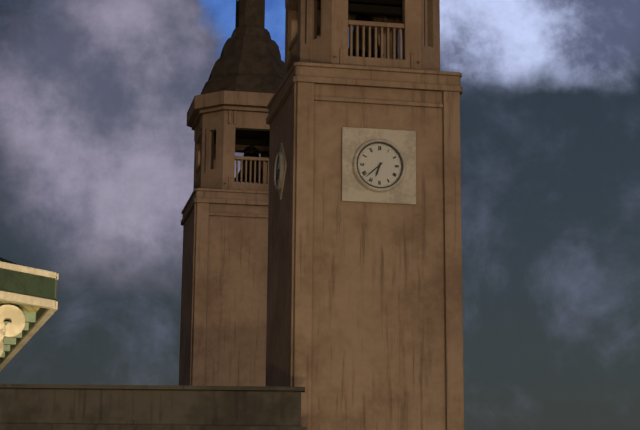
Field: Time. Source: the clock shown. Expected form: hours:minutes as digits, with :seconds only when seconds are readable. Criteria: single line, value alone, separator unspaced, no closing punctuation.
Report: 6:38
